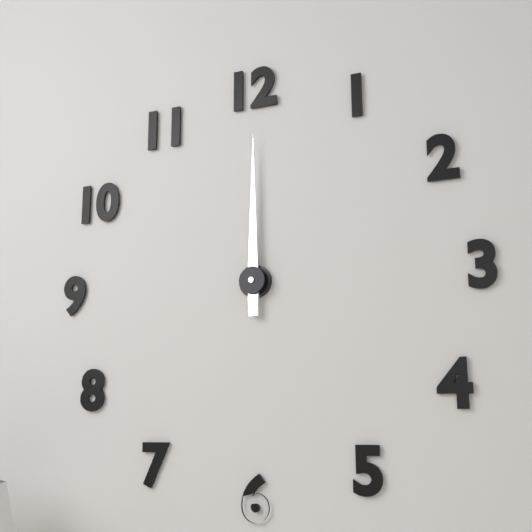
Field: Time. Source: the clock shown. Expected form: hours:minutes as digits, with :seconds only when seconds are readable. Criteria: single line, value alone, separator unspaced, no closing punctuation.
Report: 12:00
